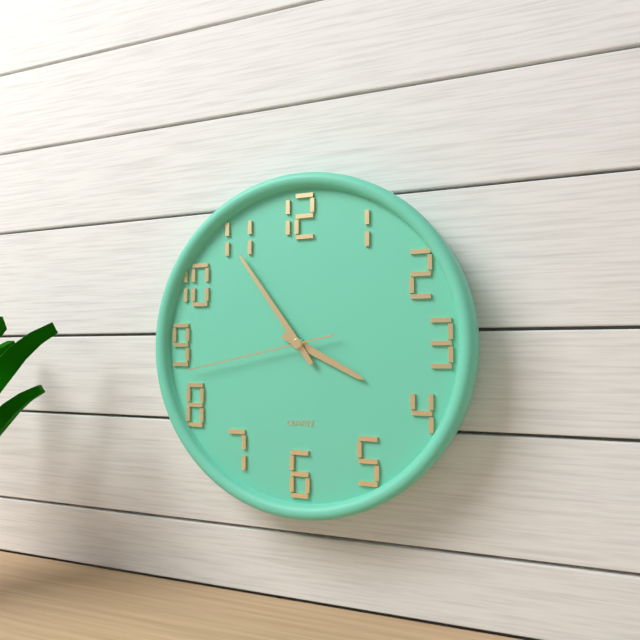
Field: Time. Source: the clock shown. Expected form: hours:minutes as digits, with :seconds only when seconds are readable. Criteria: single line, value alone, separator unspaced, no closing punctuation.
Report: 3:54:43
